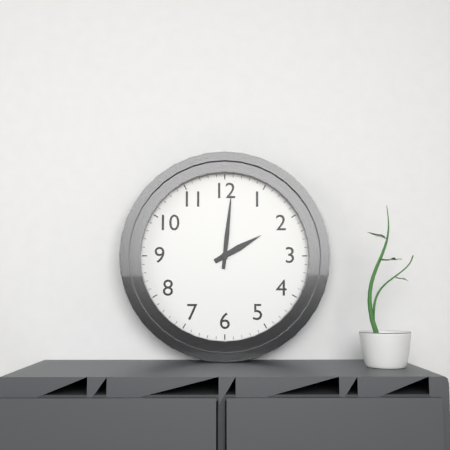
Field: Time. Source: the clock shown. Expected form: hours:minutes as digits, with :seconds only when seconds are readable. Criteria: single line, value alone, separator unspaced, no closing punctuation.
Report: 2:01
